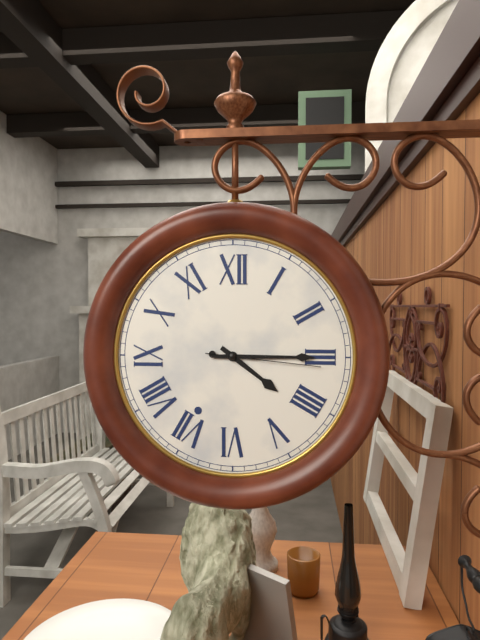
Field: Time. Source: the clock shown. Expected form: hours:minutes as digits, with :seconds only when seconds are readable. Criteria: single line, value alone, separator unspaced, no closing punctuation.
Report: 4:15:16
